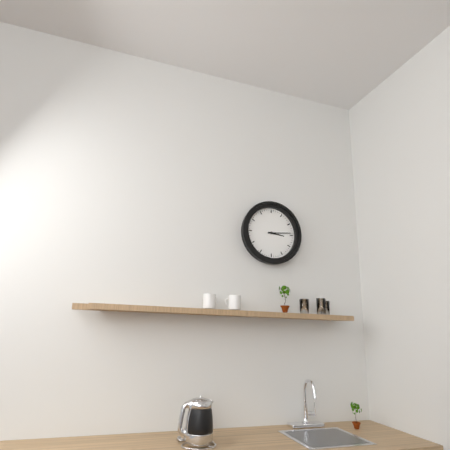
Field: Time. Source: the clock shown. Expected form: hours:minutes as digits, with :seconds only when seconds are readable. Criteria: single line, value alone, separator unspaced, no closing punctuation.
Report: 3:14
